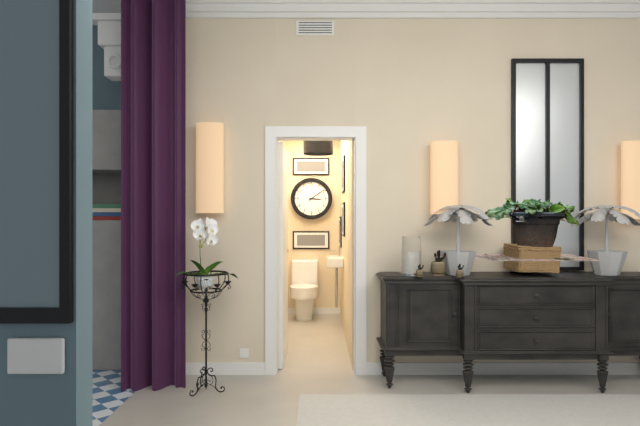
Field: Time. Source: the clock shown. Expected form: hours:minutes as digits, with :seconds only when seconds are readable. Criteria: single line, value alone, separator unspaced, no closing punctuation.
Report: 3:09
